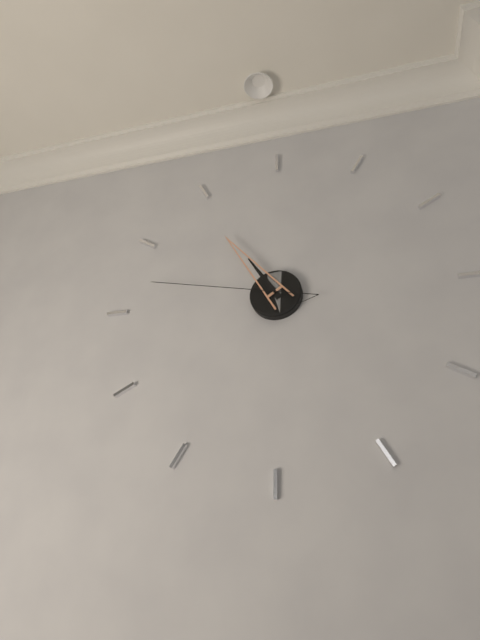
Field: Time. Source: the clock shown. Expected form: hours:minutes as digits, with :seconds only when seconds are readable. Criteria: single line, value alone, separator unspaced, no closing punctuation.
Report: 10:54:47
